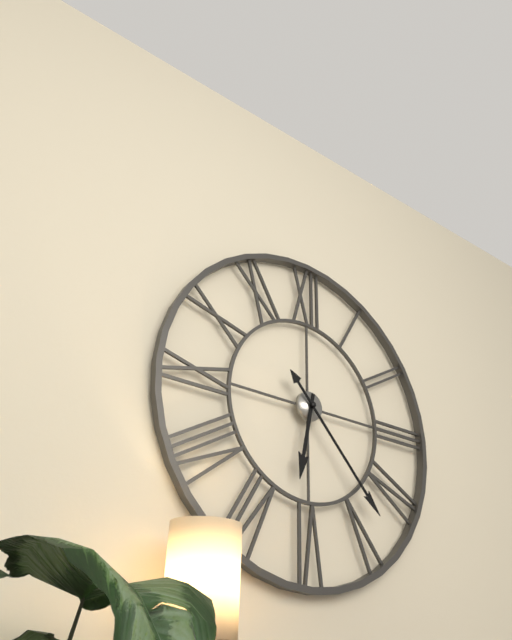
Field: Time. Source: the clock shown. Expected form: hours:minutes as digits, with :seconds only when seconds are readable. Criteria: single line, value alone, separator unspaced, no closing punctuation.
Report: 6:23
